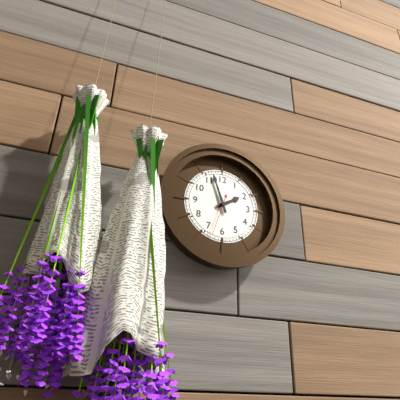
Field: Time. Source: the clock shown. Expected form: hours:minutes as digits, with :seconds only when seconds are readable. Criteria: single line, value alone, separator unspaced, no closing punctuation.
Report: 1:57
